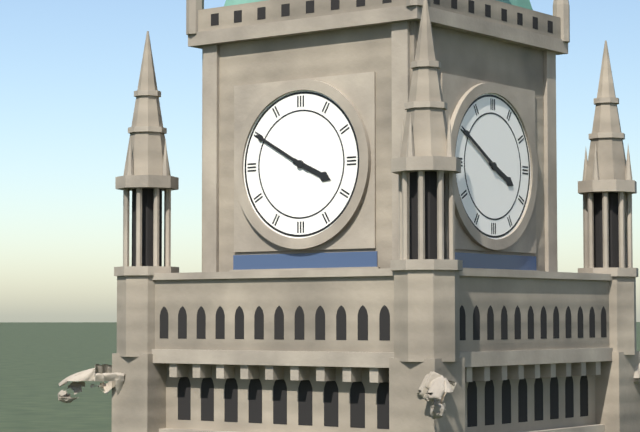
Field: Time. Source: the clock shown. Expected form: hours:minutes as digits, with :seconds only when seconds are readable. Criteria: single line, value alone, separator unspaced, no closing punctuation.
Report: 3:50
